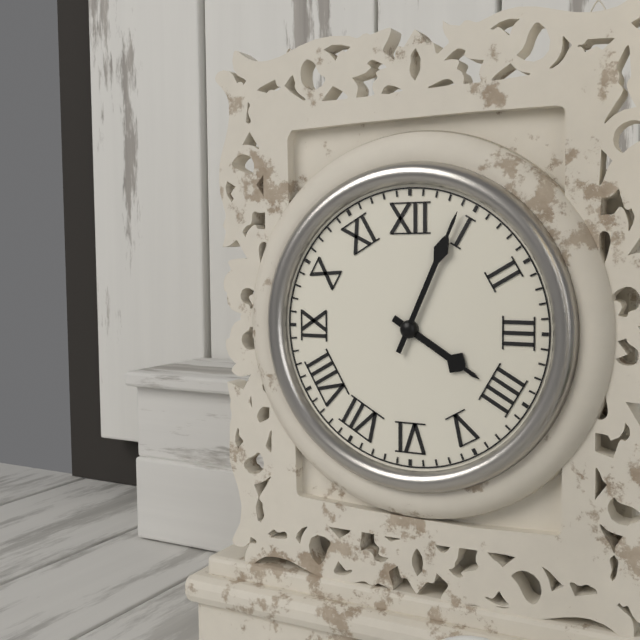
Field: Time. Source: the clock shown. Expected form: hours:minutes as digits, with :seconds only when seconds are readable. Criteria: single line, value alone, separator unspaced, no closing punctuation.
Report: 4:04
